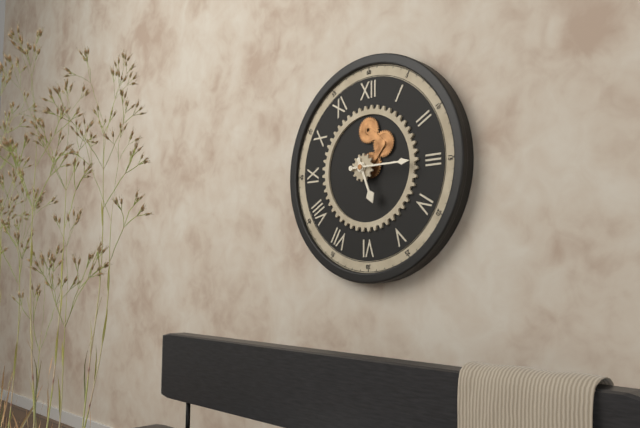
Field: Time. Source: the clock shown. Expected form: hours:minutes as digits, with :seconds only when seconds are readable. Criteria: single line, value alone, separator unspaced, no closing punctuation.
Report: 5:15
